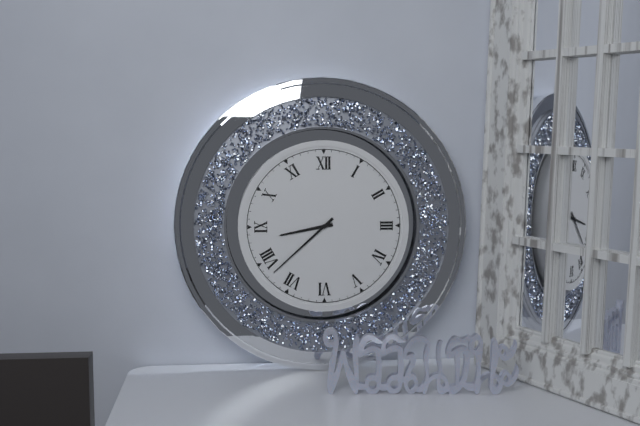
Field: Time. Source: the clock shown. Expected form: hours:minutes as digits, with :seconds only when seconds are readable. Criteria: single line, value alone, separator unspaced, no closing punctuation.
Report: 8:38
